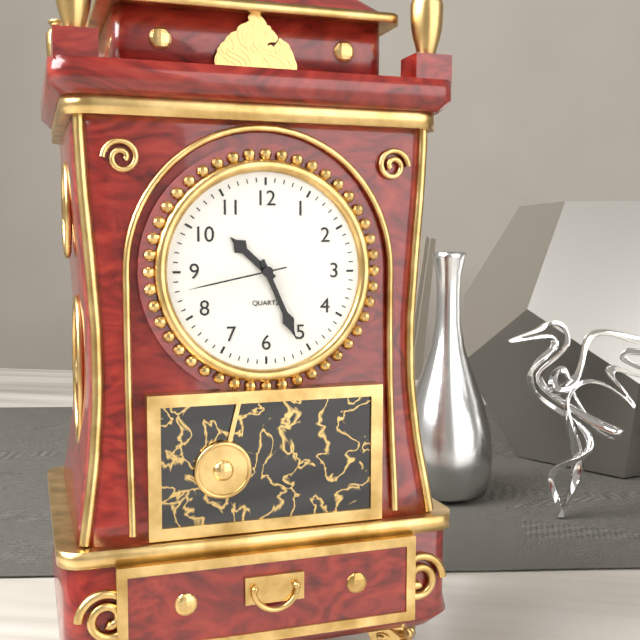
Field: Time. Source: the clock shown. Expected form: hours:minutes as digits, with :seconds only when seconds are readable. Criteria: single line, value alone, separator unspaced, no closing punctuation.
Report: 10:26:43
